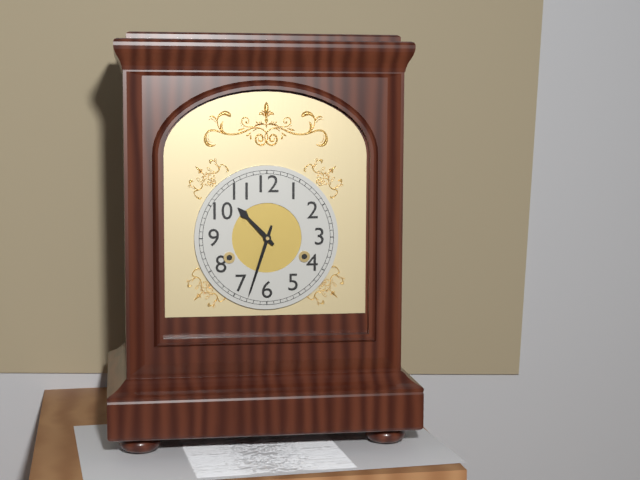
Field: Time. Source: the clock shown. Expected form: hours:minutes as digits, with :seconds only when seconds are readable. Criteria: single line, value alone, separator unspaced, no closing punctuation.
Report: 10:33
